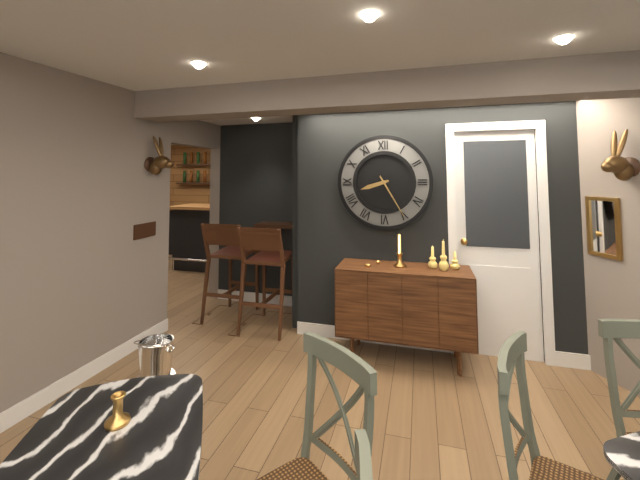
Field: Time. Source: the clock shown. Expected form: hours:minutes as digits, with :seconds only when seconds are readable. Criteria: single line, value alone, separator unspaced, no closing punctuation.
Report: 8:25
